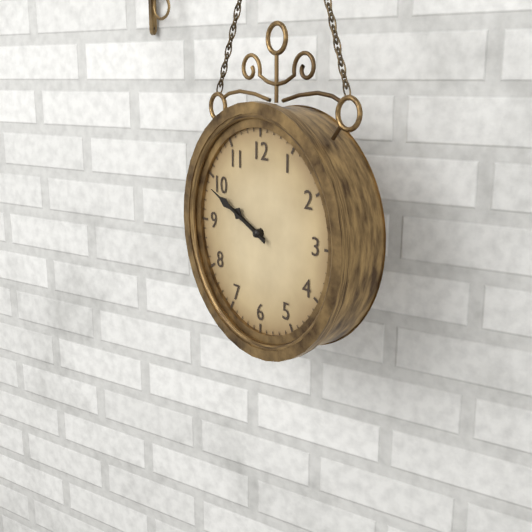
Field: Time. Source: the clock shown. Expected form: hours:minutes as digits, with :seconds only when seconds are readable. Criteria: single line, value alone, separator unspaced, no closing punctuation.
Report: 9:49
